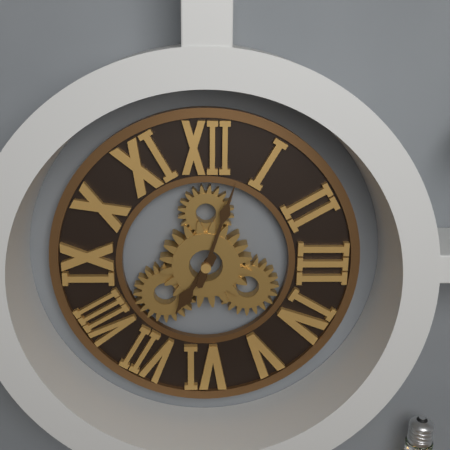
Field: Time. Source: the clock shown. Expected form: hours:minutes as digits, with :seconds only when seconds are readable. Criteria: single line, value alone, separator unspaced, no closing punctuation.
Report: 7:03
